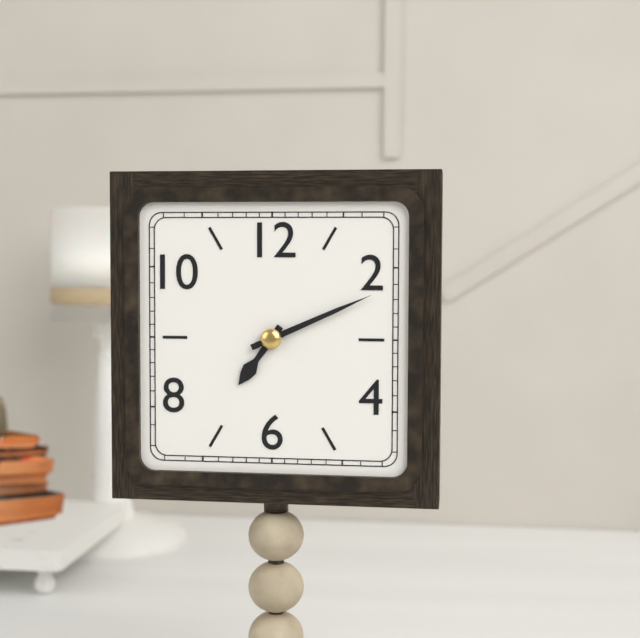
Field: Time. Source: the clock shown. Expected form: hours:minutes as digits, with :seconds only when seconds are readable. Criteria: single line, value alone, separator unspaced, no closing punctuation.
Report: 7:11
